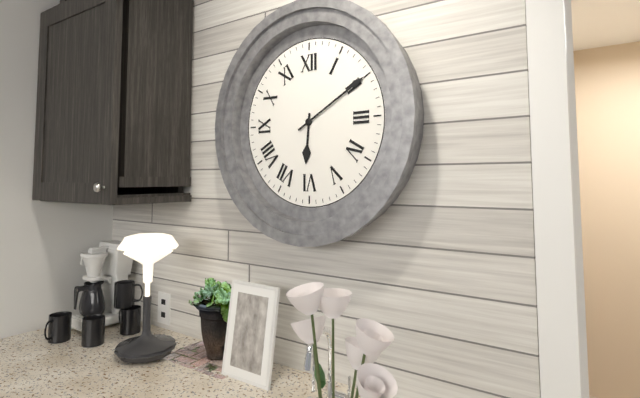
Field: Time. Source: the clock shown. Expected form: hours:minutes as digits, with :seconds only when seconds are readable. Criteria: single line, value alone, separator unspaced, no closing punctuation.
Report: 6:10
